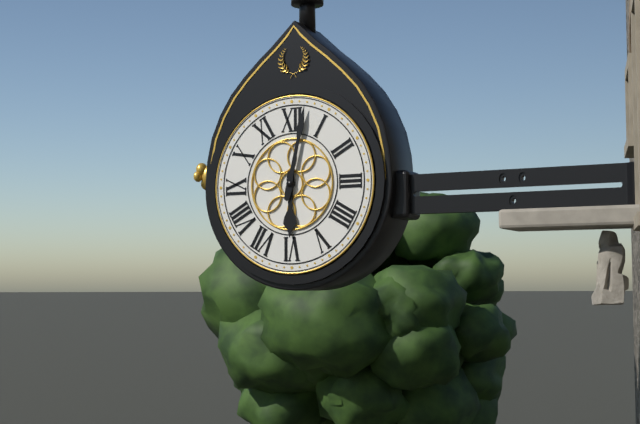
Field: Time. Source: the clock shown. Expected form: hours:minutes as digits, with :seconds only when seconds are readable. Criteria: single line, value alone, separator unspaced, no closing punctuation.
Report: 6:02
